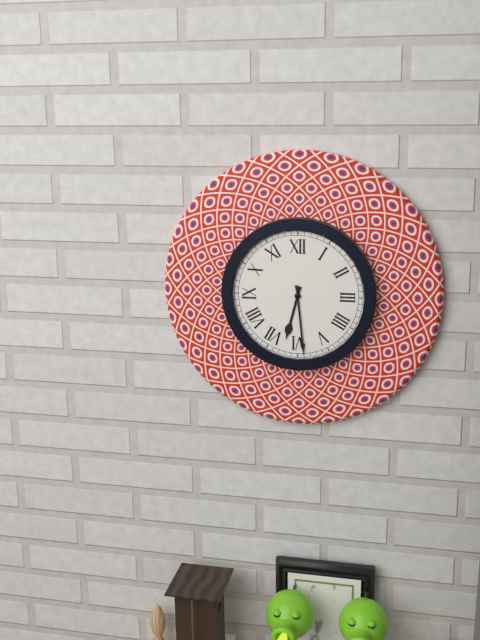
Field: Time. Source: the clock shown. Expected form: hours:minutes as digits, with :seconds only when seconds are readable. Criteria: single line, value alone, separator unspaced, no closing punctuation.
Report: 6:29
